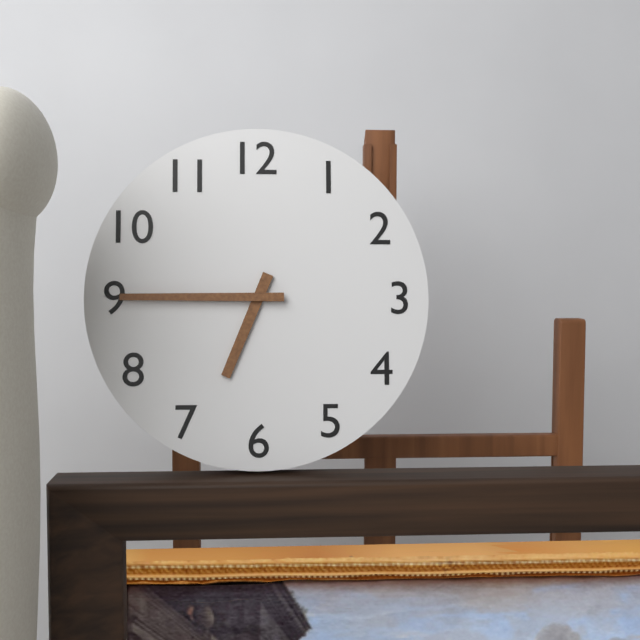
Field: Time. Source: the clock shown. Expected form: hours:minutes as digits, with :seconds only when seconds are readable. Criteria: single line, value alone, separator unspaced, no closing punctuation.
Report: 6:45
